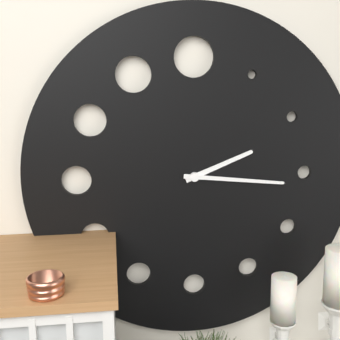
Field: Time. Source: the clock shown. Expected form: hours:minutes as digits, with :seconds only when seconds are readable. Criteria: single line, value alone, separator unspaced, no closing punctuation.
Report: 2:16
